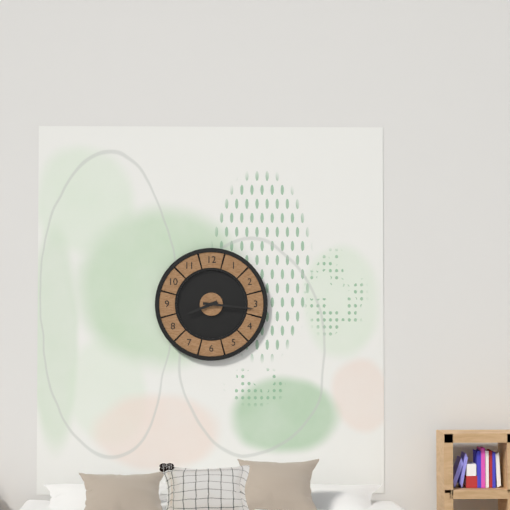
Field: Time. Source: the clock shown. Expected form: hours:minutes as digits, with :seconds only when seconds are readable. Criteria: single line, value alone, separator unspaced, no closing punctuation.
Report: 8:16
